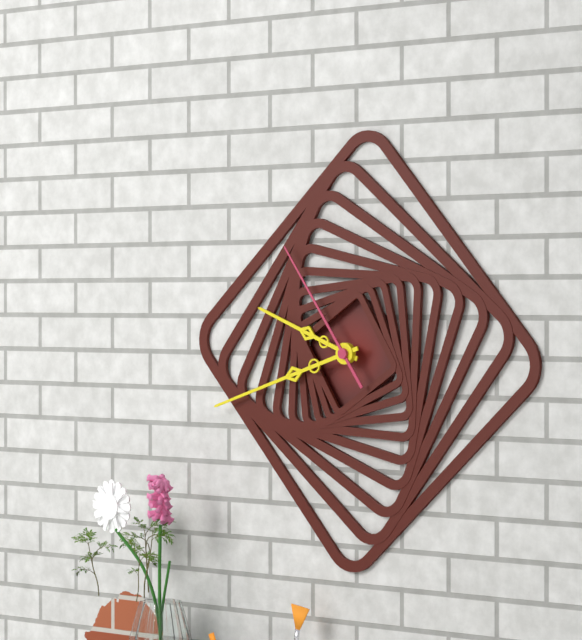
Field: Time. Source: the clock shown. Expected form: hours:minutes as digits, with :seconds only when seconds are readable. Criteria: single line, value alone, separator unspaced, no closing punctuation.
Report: 9:42:54
